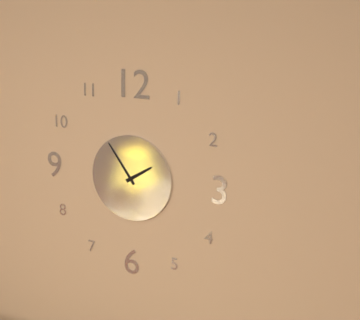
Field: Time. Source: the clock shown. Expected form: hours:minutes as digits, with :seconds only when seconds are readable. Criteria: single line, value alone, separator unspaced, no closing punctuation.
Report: 1:54
